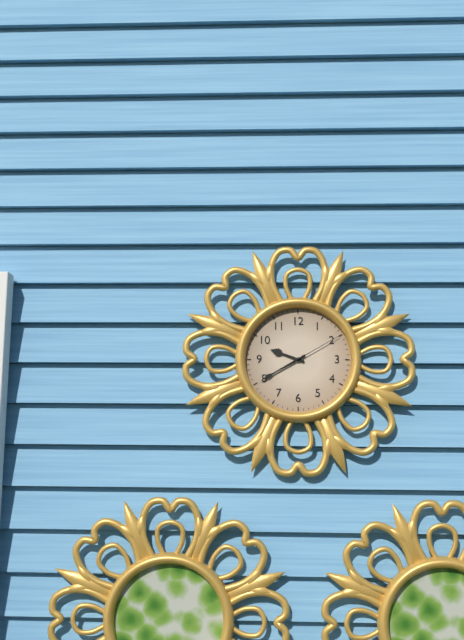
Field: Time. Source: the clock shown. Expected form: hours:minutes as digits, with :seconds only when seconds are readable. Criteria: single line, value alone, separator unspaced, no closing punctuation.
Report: 9:40:10
